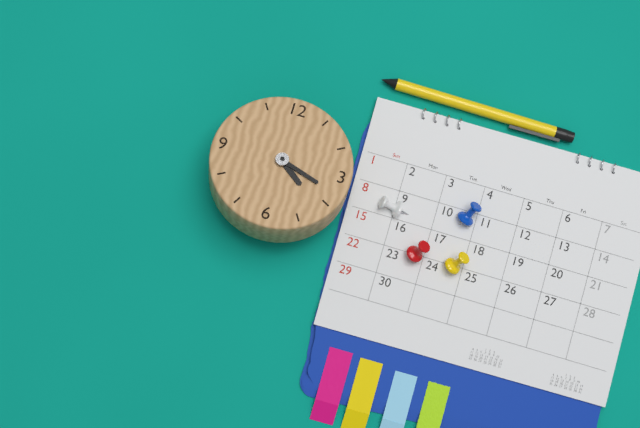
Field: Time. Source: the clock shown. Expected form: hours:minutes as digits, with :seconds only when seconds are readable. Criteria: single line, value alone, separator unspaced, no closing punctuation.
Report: 4:18
